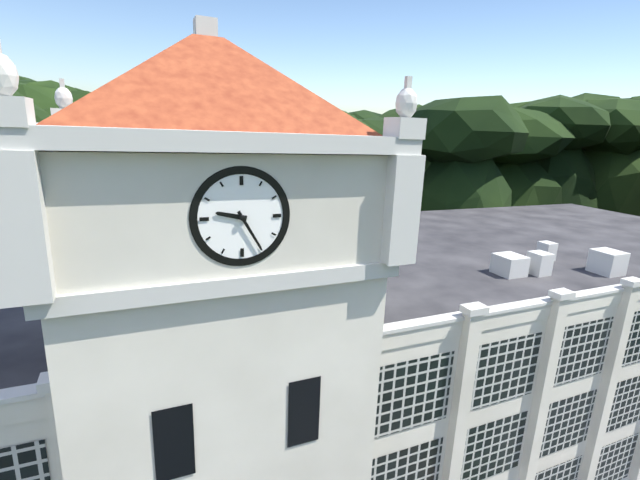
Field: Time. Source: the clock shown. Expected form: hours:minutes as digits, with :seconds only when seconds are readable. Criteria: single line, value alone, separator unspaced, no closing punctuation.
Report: 9:25
